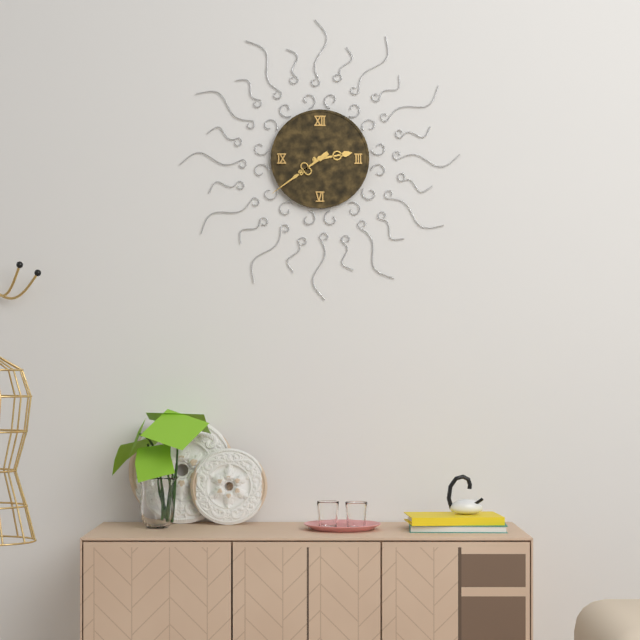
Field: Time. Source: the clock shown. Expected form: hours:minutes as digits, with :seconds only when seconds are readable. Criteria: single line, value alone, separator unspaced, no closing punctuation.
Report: 2:39
